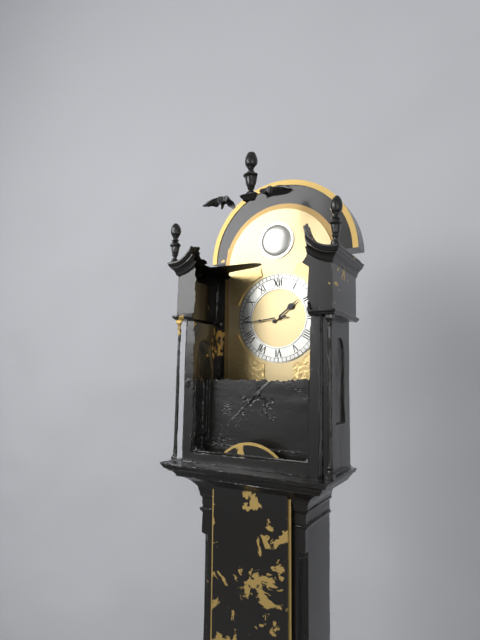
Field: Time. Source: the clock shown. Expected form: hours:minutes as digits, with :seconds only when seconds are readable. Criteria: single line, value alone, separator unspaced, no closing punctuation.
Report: 1:44
